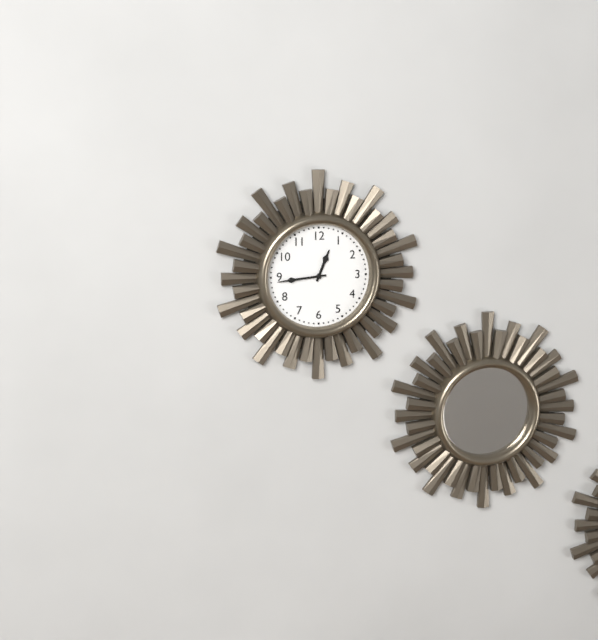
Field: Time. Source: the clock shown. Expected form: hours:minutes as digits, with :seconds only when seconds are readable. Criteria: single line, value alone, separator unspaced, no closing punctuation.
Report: 12:44
